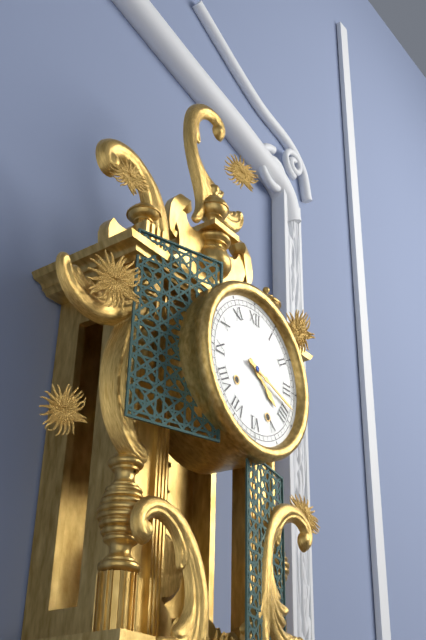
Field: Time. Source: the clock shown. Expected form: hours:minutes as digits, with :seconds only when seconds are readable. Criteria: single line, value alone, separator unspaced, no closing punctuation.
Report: 4:18
